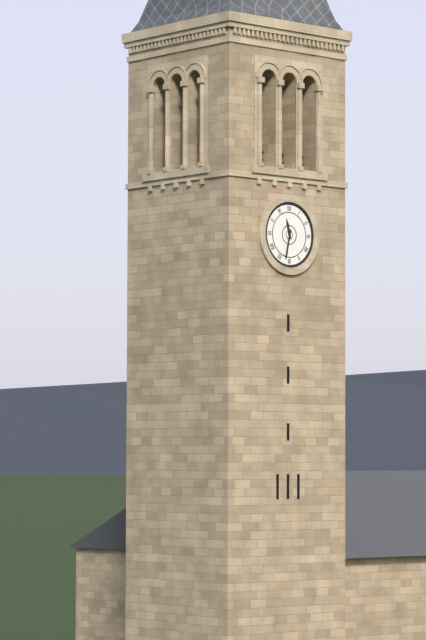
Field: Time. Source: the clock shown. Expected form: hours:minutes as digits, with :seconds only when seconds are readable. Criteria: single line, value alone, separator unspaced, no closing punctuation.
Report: 11:32
